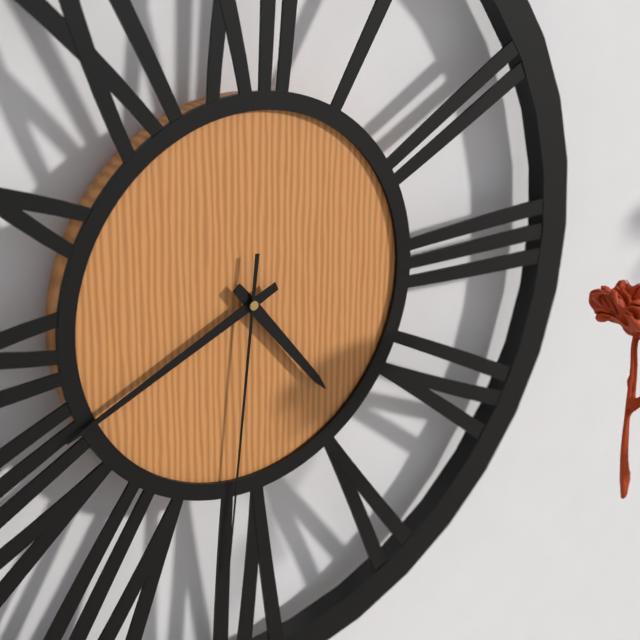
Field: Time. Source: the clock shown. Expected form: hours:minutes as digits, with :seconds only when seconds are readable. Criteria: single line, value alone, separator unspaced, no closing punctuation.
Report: 4:41:31
